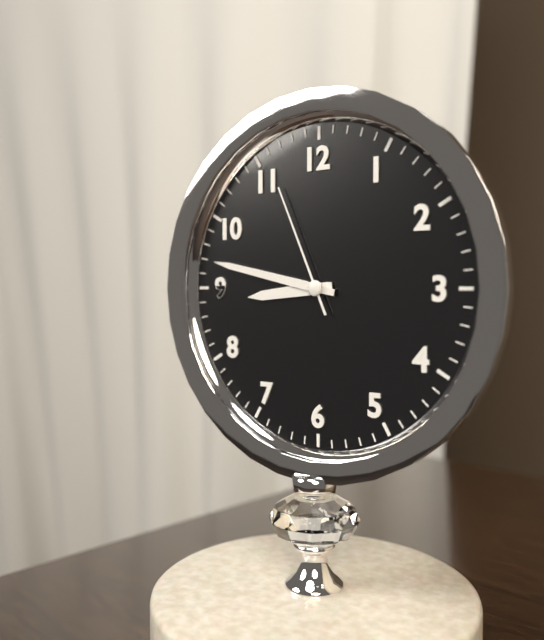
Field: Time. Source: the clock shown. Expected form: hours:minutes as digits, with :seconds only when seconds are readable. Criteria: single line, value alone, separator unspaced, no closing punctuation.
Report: 8:47:56
